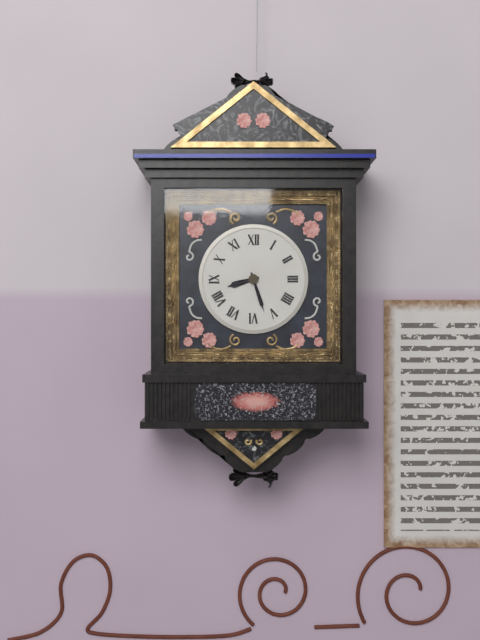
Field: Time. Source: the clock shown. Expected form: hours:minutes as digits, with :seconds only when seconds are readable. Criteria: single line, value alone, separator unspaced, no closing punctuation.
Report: 8:27
